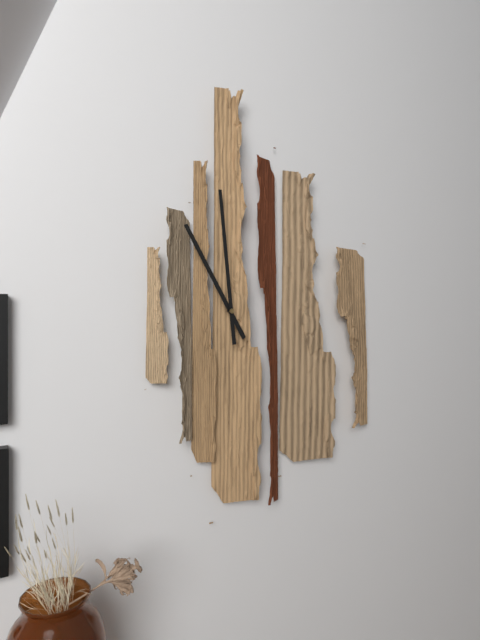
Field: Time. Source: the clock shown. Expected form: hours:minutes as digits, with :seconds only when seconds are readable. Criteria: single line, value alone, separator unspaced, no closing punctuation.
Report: 10:59
